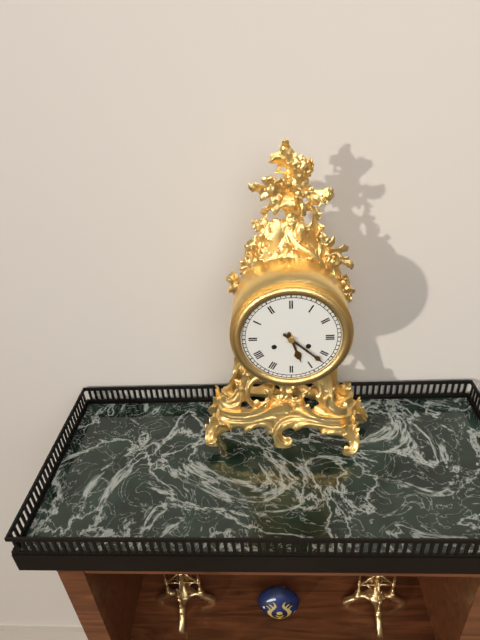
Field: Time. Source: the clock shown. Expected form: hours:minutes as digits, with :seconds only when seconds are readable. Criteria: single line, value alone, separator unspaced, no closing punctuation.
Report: 5:22
